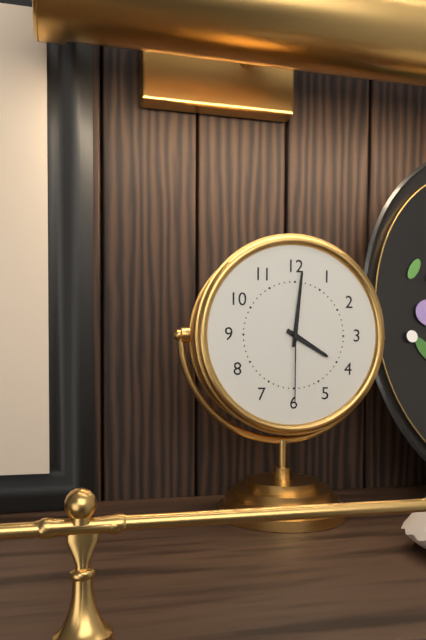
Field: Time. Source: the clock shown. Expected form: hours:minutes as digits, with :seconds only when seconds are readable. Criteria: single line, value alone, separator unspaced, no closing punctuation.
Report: 4:01:30
